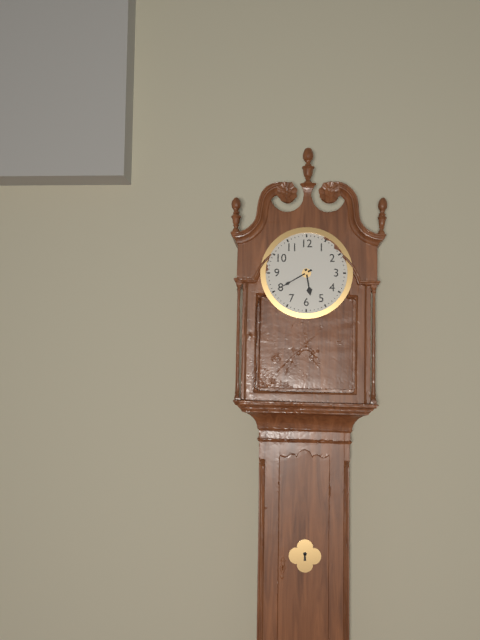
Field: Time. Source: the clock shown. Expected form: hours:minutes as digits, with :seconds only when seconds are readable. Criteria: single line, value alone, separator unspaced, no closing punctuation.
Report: 5:40
